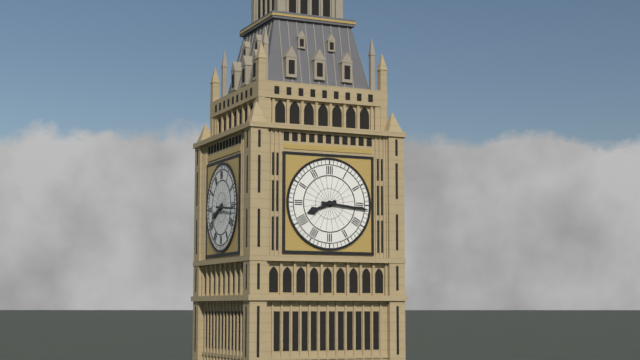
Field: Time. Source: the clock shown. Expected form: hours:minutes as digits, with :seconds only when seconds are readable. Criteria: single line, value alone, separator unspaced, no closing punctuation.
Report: 8:16
